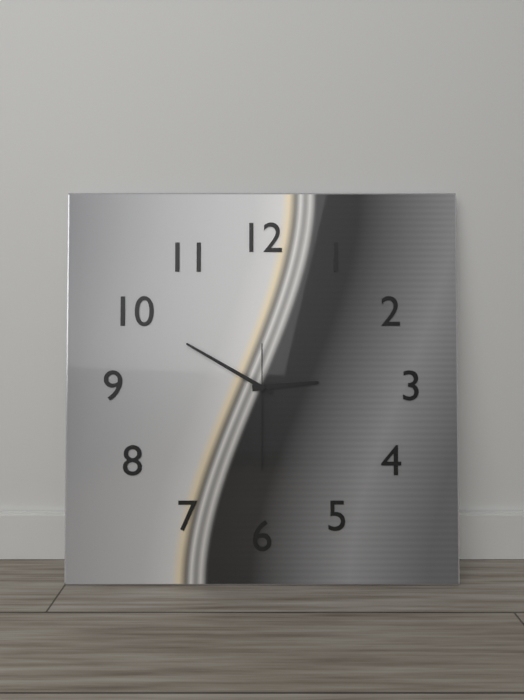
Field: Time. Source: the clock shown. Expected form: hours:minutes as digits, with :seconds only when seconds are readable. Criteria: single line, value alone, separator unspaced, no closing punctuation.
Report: 2:50:30
